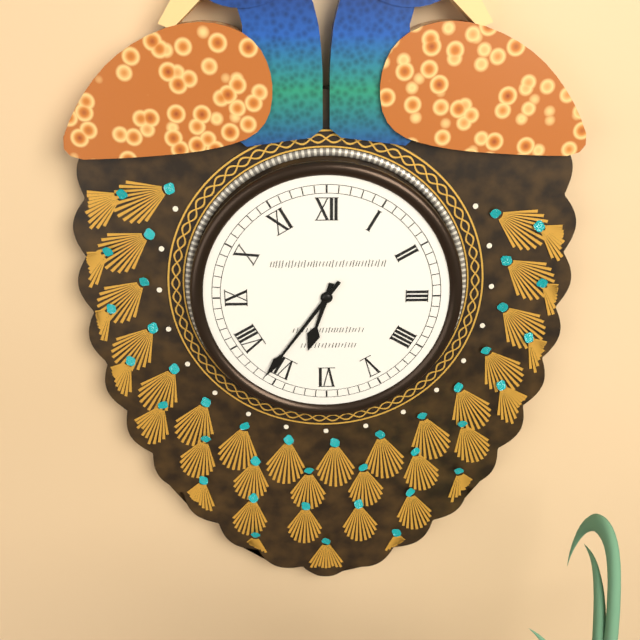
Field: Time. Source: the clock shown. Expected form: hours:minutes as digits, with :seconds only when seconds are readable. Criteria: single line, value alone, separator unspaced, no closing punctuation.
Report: 6:36
